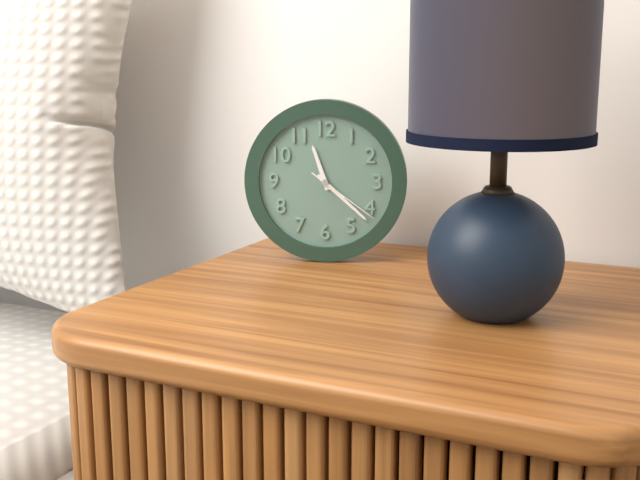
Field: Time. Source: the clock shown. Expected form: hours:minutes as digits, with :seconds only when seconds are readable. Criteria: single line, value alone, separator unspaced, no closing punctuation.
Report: 11:22:21
